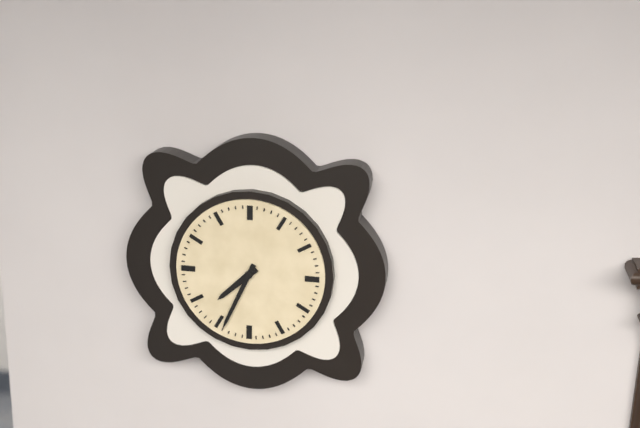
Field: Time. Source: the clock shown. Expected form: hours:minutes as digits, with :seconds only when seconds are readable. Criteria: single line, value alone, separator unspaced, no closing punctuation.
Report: 7:34
